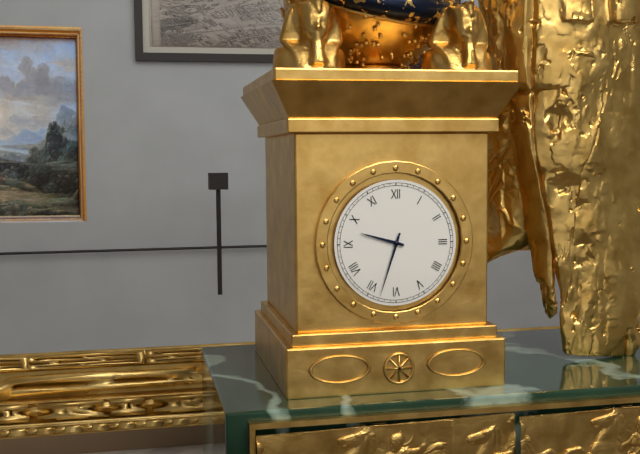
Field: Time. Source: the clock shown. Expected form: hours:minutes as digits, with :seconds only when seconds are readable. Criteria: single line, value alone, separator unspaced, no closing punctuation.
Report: 9:33
